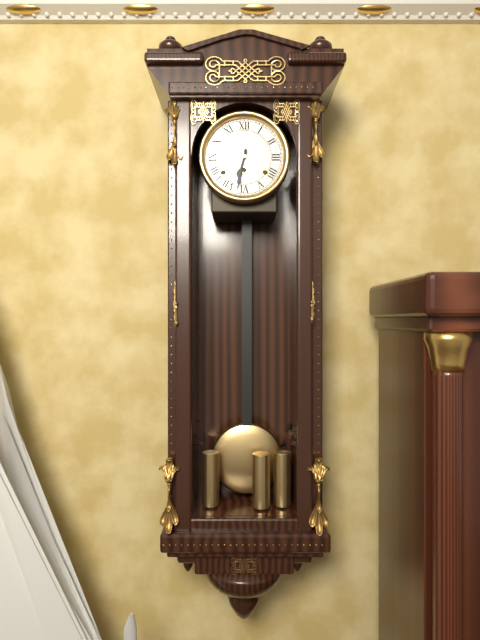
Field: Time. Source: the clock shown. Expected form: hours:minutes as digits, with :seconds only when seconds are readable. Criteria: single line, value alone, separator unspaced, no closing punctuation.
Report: 6:32
